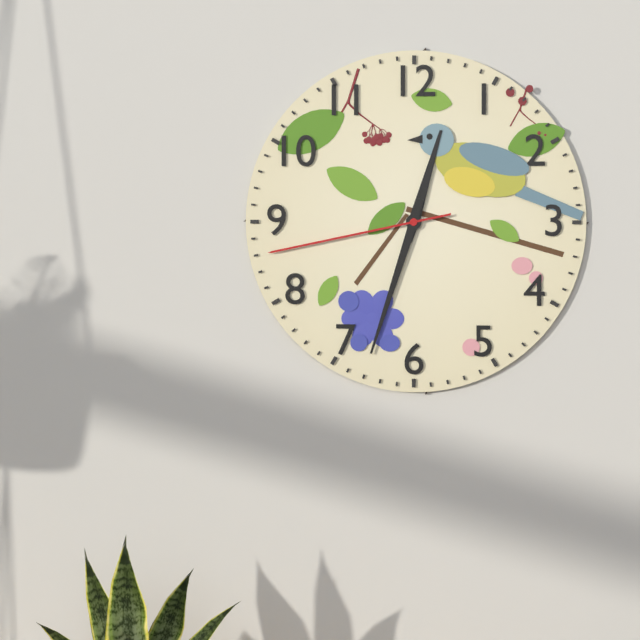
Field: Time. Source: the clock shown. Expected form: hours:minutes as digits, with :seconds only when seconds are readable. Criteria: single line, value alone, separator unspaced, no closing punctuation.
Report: 12:33:43
